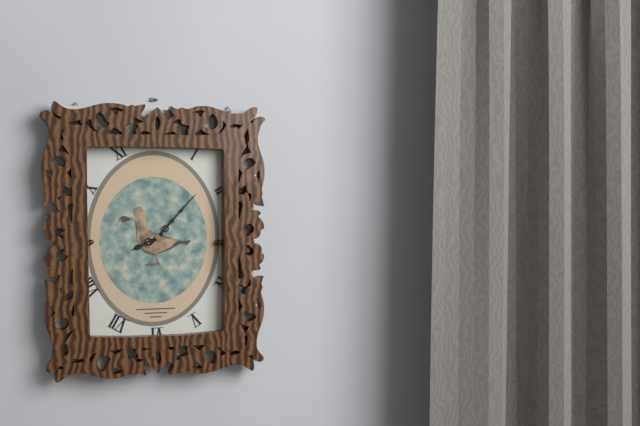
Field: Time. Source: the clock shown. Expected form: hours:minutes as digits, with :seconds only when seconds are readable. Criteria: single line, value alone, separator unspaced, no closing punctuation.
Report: 8:07
